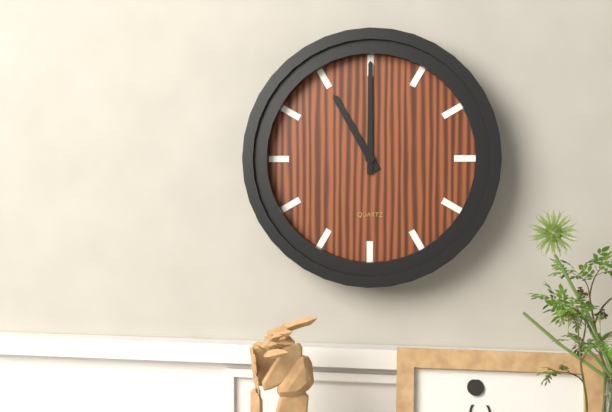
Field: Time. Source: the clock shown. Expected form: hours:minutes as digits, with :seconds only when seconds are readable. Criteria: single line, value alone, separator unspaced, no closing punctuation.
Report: 11:00
